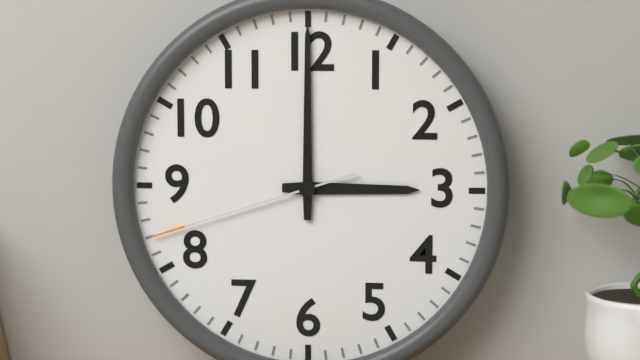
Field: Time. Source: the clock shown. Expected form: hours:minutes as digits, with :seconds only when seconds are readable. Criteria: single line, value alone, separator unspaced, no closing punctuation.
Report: 3:00:42
